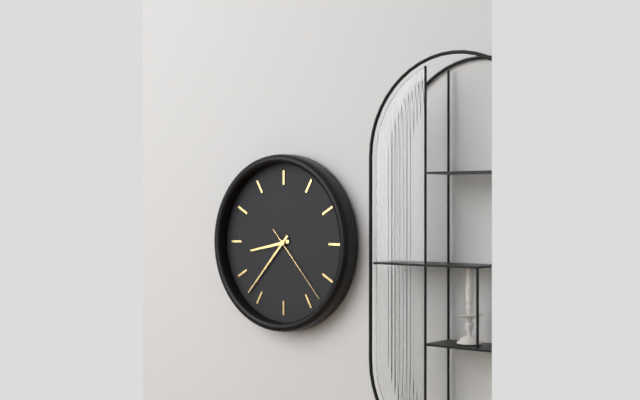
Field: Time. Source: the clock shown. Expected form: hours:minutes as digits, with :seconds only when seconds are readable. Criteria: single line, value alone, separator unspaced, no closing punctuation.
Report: 8:37:23
